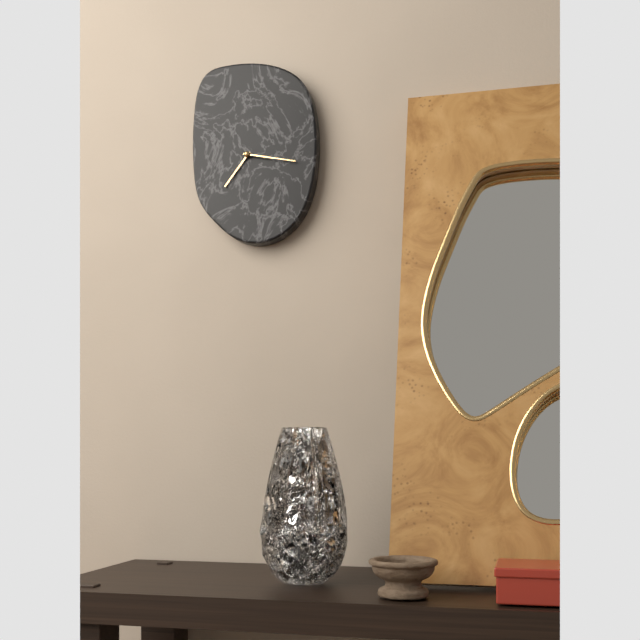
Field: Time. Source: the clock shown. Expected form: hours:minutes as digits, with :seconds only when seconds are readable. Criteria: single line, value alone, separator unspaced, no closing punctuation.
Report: 7:17
